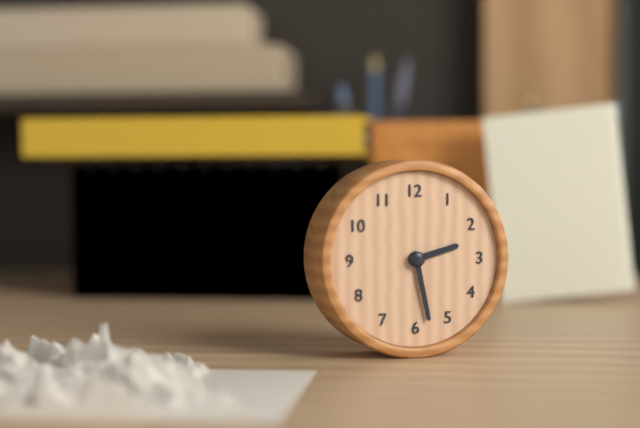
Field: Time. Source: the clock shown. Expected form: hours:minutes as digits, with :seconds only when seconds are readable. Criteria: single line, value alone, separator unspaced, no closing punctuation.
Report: 2:28
